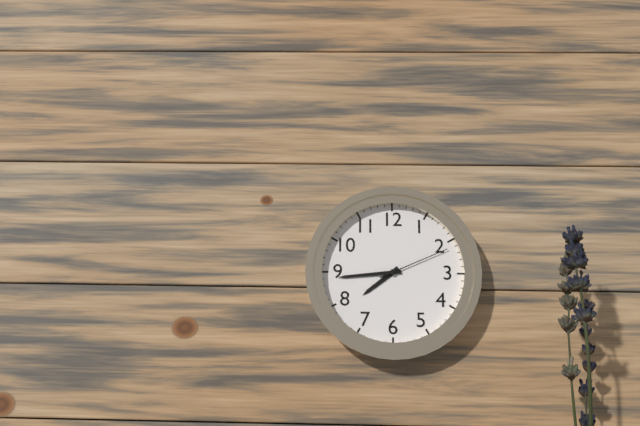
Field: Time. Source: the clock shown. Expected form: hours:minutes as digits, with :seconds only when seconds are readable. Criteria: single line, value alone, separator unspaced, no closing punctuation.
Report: 7:44:11
